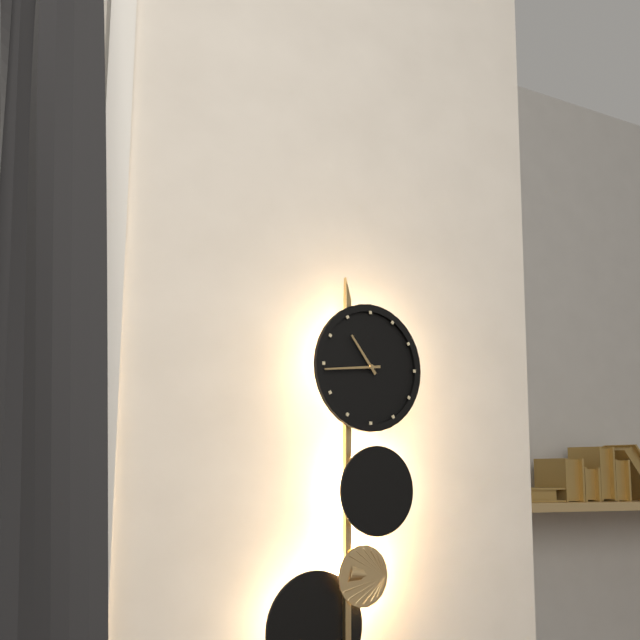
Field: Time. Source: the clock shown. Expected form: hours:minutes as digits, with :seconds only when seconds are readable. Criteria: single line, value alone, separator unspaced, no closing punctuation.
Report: 10:44
